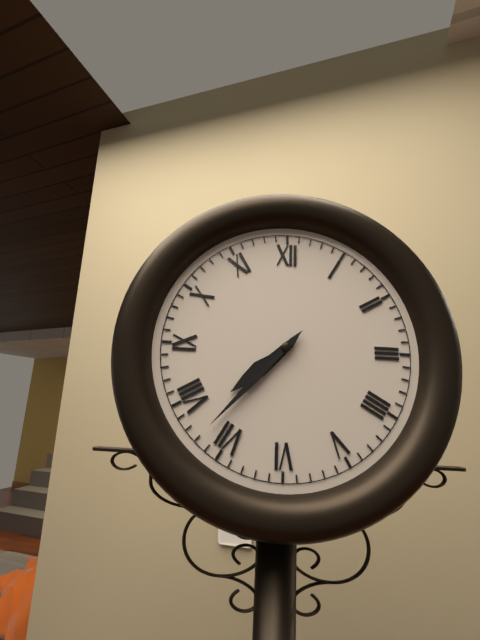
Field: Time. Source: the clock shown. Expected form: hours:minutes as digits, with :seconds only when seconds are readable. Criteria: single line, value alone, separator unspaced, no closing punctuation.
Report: 7:37
